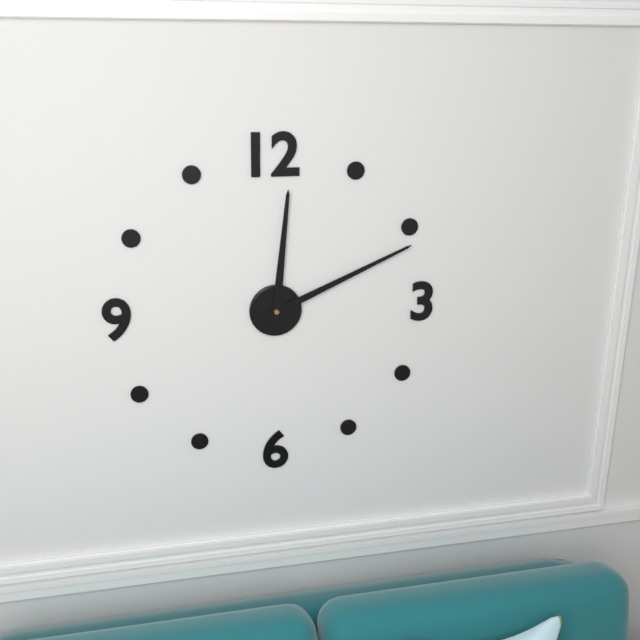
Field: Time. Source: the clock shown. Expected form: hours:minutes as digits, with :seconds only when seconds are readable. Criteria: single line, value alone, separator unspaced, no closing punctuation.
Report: 12:11
